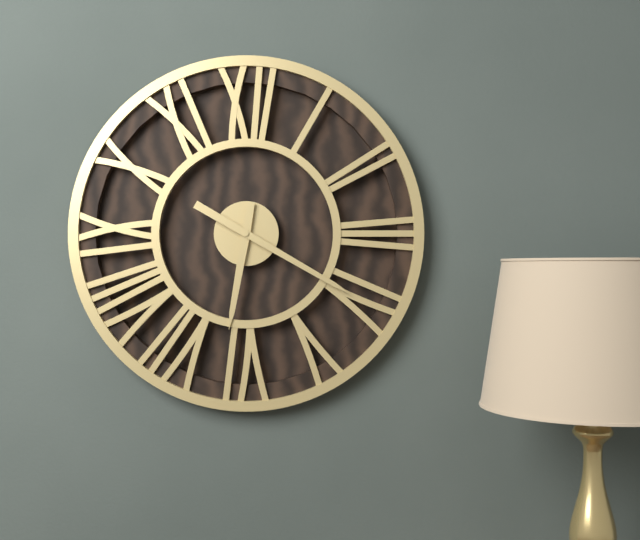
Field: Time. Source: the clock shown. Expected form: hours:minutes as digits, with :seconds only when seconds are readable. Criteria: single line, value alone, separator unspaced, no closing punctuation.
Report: 6:20
